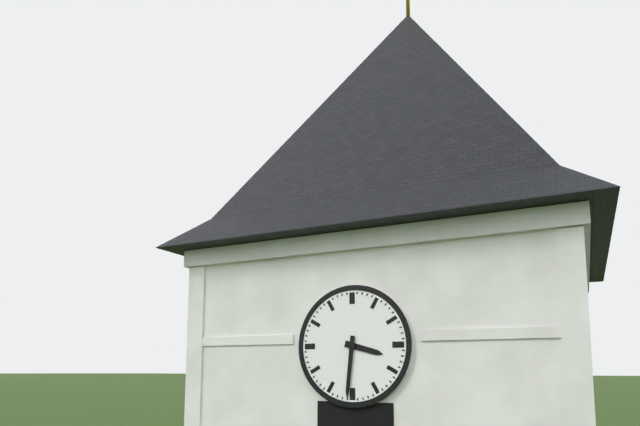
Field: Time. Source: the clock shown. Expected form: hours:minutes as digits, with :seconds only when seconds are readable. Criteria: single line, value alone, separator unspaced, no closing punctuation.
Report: 3:31
